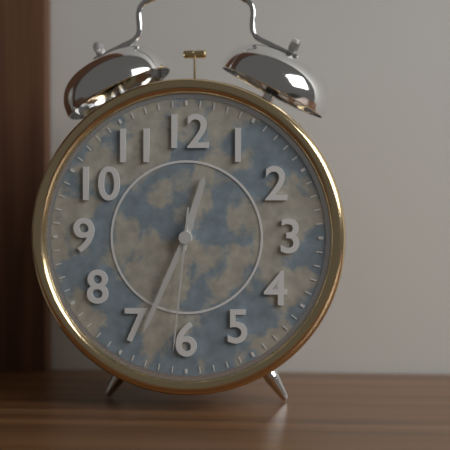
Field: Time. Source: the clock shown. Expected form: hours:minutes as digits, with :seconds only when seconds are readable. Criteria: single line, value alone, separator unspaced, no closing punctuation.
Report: 12:34:31
